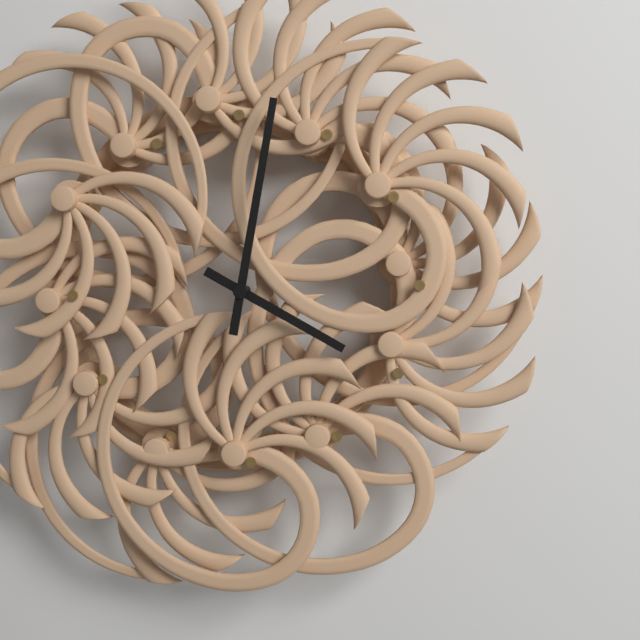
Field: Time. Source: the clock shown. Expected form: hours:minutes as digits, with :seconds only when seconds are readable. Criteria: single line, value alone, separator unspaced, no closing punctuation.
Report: 4:02
